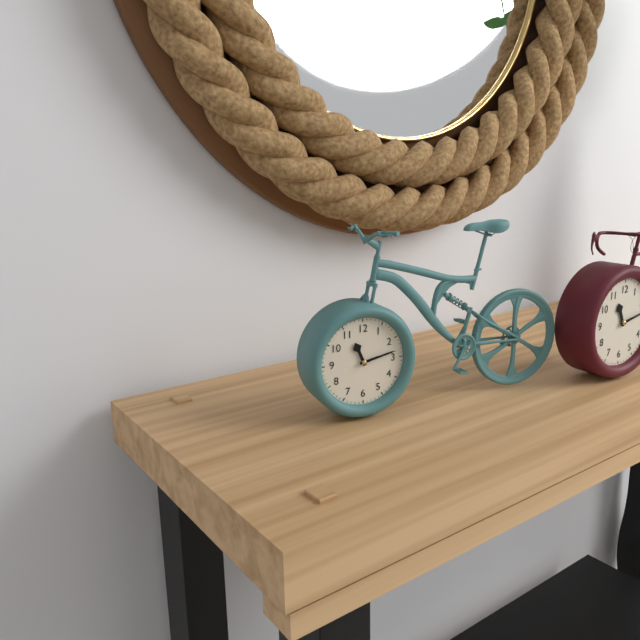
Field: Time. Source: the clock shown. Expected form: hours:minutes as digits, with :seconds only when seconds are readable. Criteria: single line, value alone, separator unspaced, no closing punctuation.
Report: 11:13
